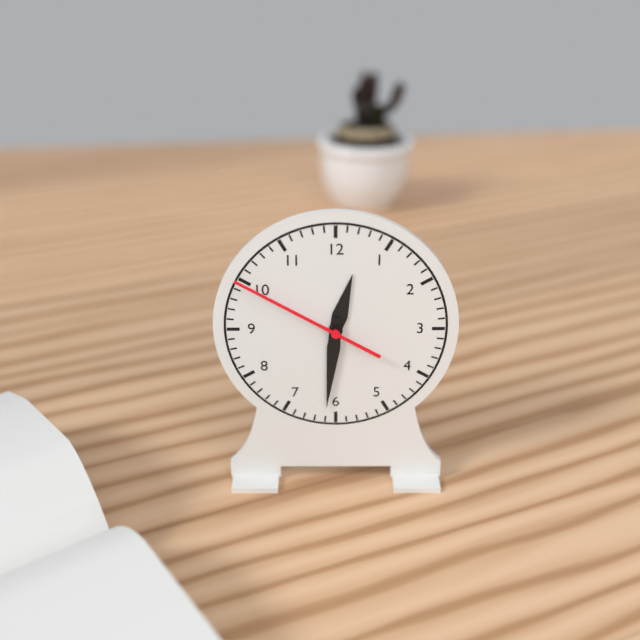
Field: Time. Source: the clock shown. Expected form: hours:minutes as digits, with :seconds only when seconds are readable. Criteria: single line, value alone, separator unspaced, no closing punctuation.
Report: 12:31:50
